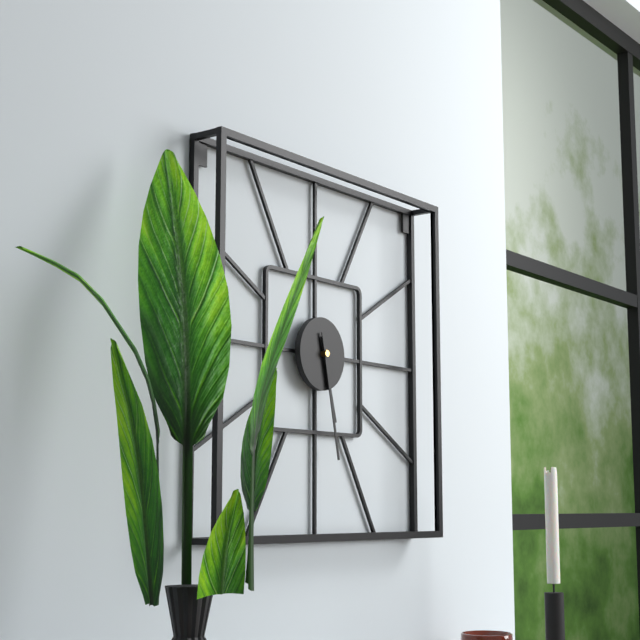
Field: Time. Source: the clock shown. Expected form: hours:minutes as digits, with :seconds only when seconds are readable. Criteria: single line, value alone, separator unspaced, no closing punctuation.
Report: 5:28
